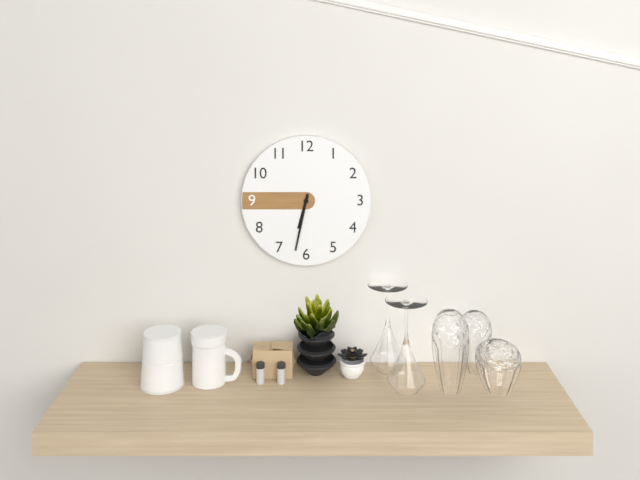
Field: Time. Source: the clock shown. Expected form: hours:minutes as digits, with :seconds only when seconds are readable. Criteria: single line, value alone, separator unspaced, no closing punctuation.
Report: 6:32
